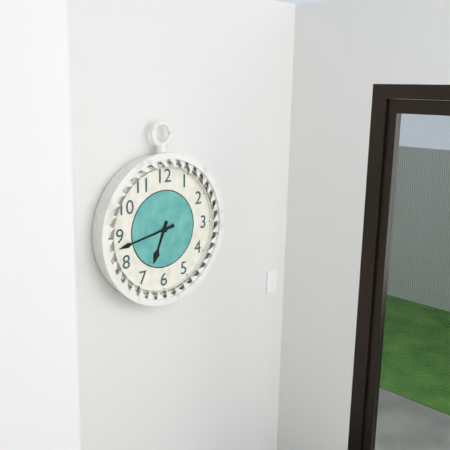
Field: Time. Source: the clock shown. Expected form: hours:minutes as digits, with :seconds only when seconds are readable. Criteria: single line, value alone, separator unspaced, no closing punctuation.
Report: 6:43
